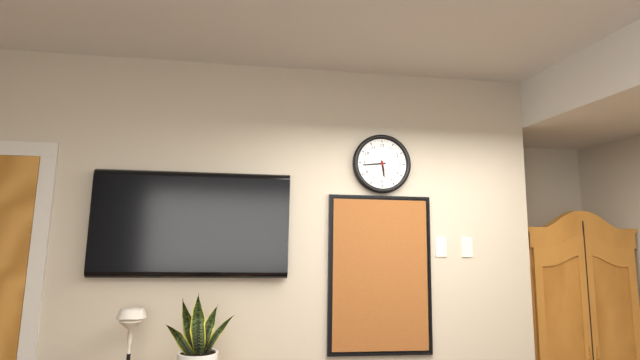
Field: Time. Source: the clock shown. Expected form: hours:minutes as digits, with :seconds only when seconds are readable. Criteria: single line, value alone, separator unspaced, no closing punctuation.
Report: 5:44
